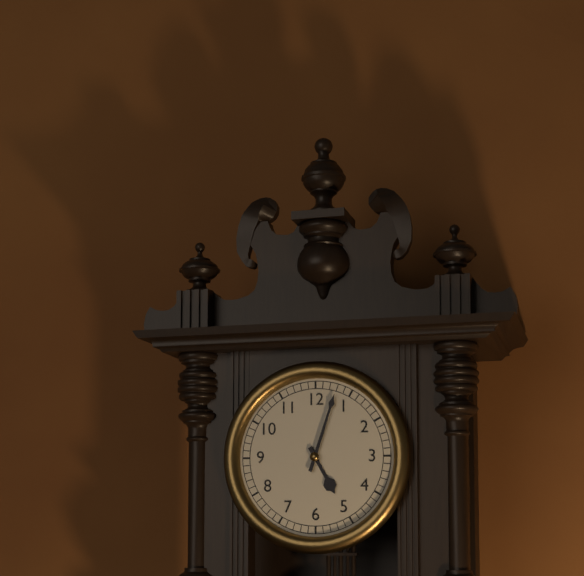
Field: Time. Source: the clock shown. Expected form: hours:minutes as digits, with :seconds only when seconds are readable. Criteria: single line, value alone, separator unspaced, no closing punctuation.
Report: 5:03
